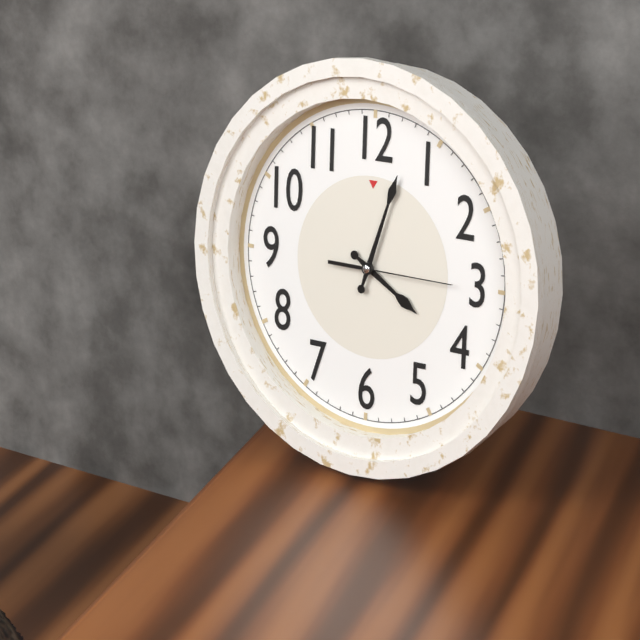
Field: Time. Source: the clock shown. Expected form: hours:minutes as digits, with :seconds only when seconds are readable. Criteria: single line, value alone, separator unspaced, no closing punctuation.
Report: 4:03:15
